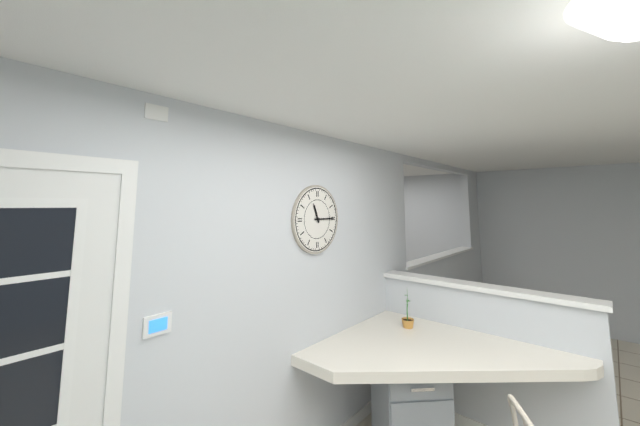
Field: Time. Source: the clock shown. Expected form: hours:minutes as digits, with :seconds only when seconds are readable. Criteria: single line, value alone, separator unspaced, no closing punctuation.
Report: 11:15
